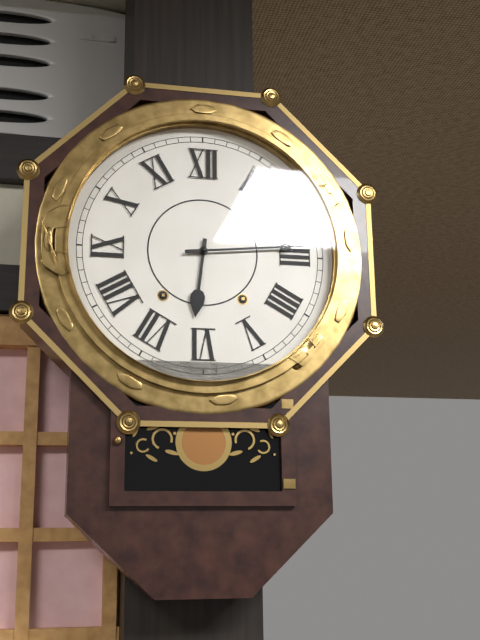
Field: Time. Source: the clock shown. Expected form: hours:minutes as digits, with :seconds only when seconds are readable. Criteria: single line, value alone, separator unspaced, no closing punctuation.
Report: 6:14
